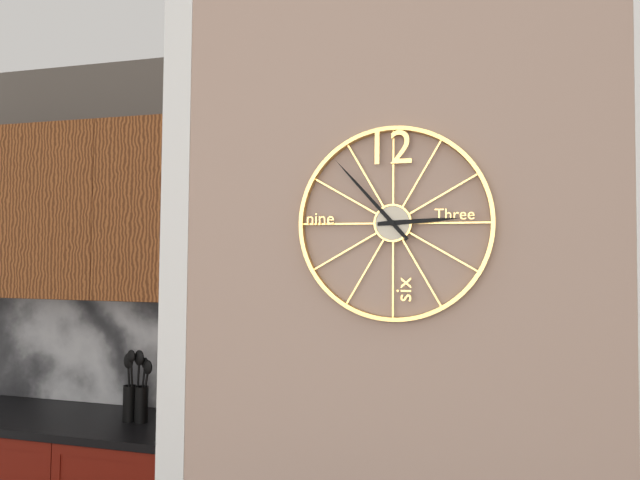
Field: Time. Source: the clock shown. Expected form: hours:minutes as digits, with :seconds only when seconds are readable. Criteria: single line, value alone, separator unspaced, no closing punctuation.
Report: 2:53
